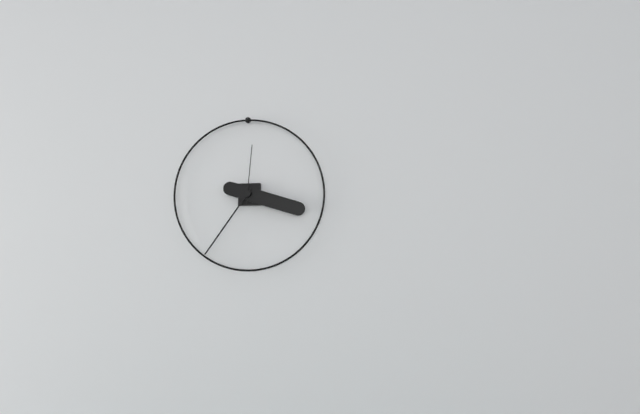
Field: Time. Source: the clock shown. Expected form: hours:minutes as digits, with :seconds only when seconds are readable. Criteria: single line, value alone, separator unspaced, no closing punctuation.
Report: 3:36:01
